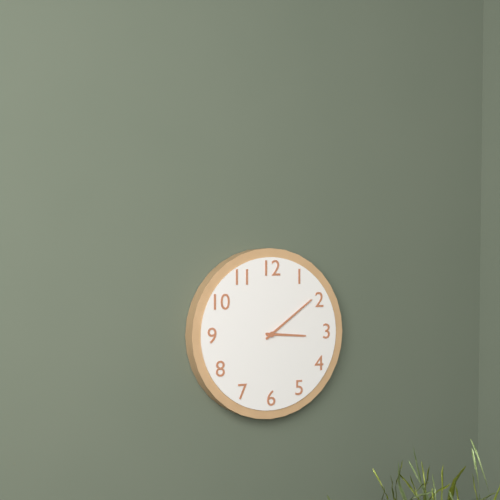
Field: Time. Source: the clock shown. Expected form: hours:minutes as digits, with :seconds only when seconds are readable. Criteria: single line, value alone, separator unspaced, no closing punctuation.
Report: 3:09
